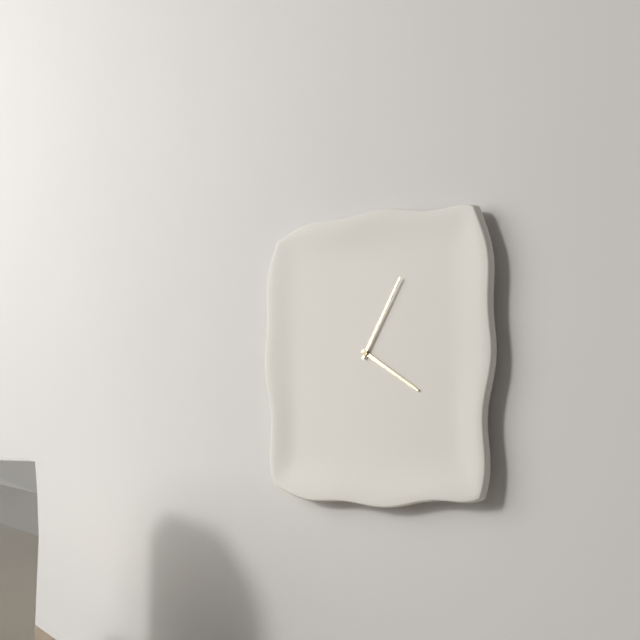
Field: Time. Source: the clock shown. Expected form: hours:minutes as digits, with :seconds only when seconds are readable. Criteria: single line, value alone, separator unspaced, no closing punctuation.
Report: 4:05
